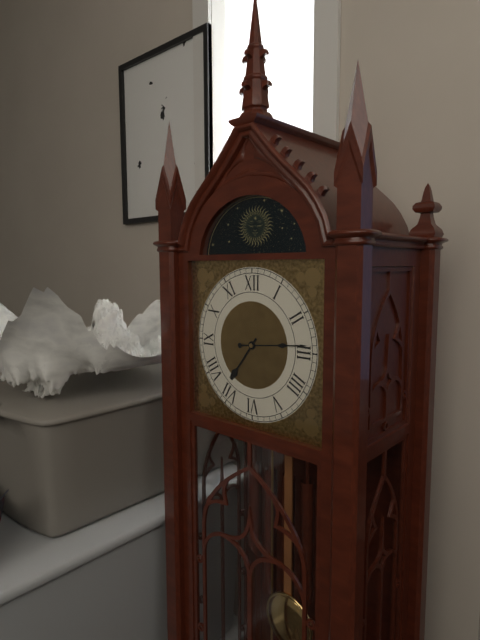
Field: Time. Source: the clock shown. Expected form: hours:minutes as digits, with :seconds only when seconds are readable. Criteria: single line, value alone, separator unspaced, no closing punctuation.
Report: 7:14
